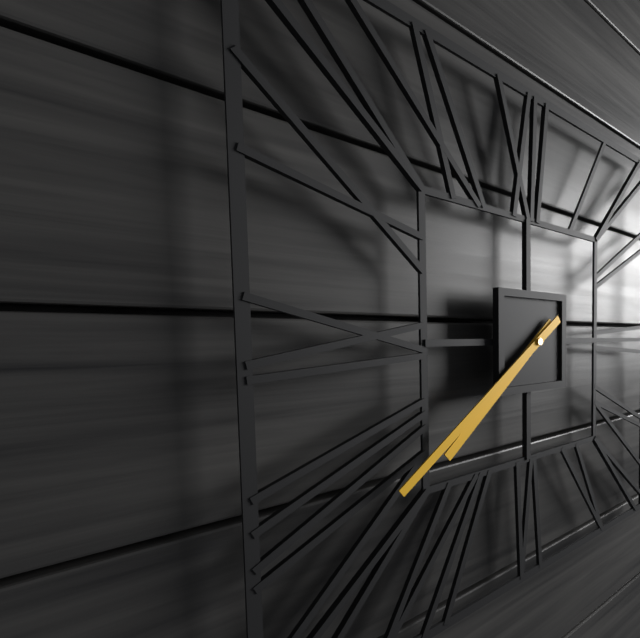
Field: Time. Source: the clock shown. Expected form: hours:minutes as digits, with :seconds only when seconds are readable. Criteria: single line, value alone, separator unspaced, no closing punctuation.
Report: 7:39
